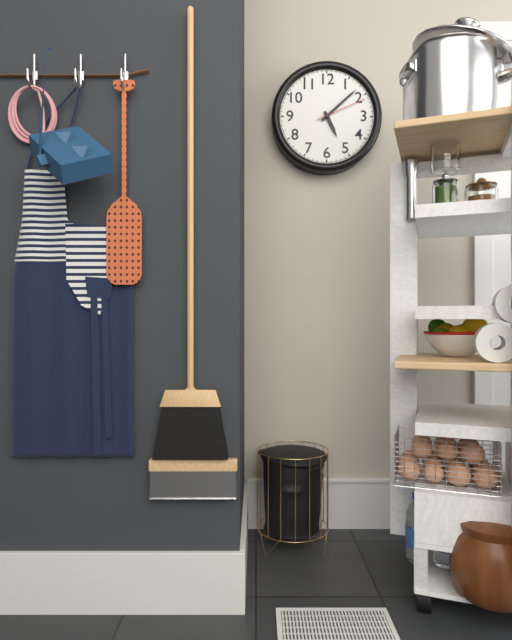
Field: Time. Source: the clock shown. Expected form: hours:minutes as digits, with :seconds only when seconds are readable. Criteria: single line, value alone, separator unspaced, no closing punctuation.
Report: 5:08:11
